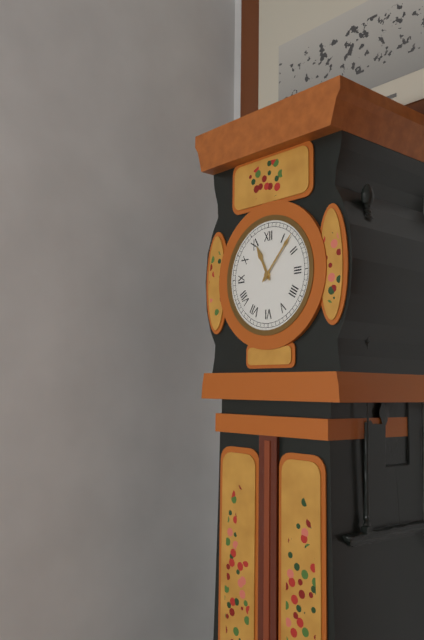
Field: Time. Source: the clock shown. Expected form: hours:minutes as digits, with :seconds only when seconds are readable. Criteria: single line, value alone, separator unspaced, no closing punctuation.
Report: 11:07
